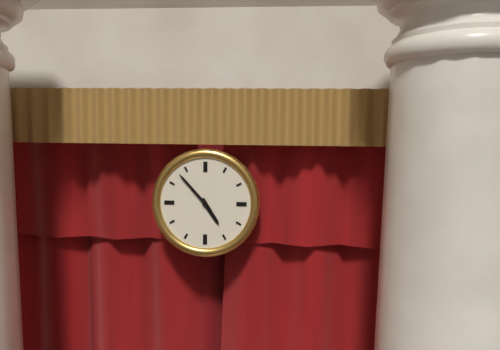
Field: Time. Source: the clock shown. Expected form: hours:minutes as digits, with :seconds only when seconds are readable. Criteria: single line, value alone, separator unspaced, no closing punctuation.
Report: 4:53
